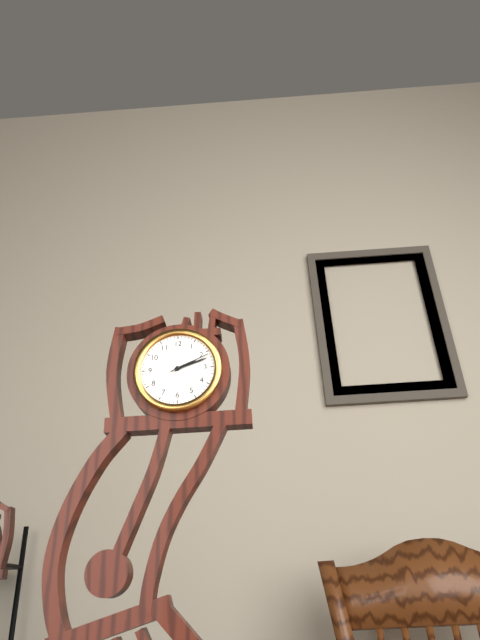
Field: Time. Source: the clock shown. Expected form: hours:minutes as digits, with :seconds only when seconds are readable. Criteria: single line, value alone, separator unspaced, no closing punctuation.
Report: 2:12
